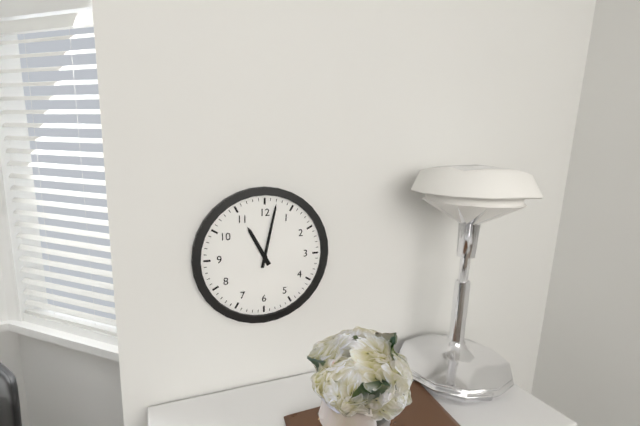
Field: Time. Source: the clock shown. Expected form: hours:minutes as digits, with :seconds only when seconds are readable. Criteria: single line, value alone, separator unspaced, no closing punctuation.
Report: 11:02
